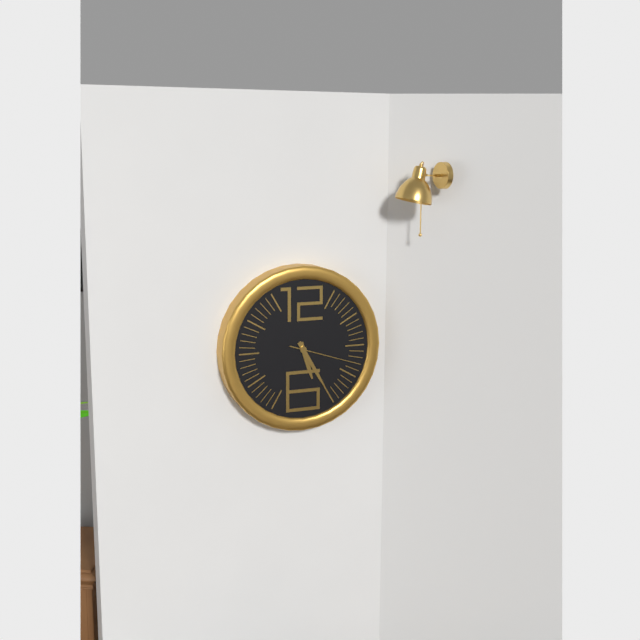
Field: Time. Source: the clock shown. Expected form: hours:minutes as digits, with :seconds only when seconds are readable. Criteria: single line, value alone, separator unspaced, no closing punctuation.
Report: 5:25:18
